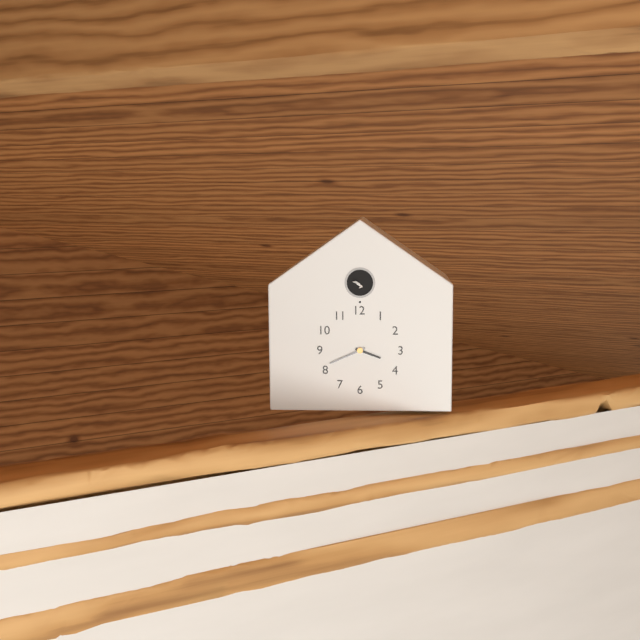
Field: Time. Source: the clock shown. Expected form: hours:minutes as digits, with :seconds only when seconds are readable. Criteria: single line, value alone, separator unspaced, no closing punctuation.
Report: 3:41
